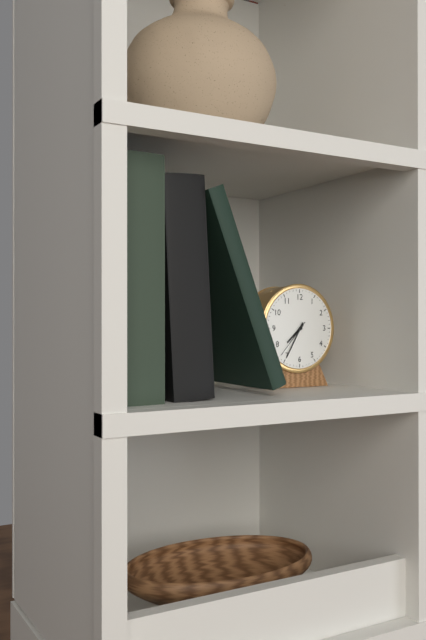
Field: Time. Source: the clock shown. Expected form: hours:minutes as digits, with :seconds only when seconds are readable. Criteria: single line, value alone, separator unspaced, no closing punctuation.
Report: 7:35
